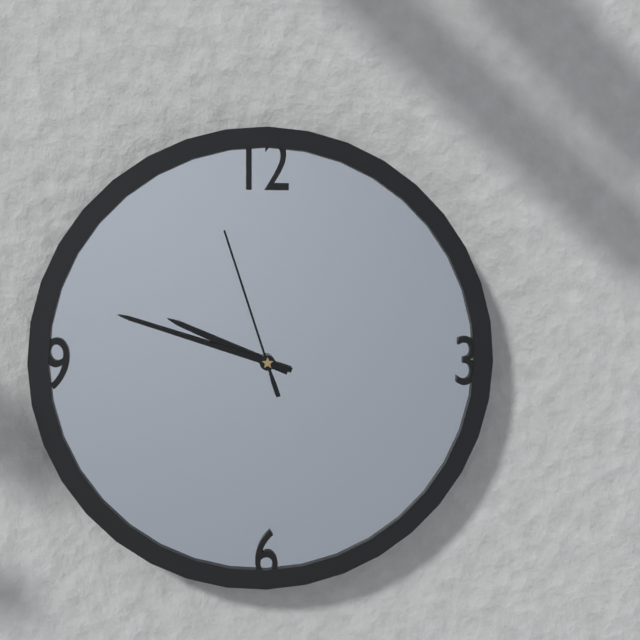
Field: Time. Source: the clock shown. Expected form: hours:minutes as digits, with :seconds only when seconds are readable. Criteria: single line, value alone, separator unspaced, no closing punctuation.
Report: 9:48:57
